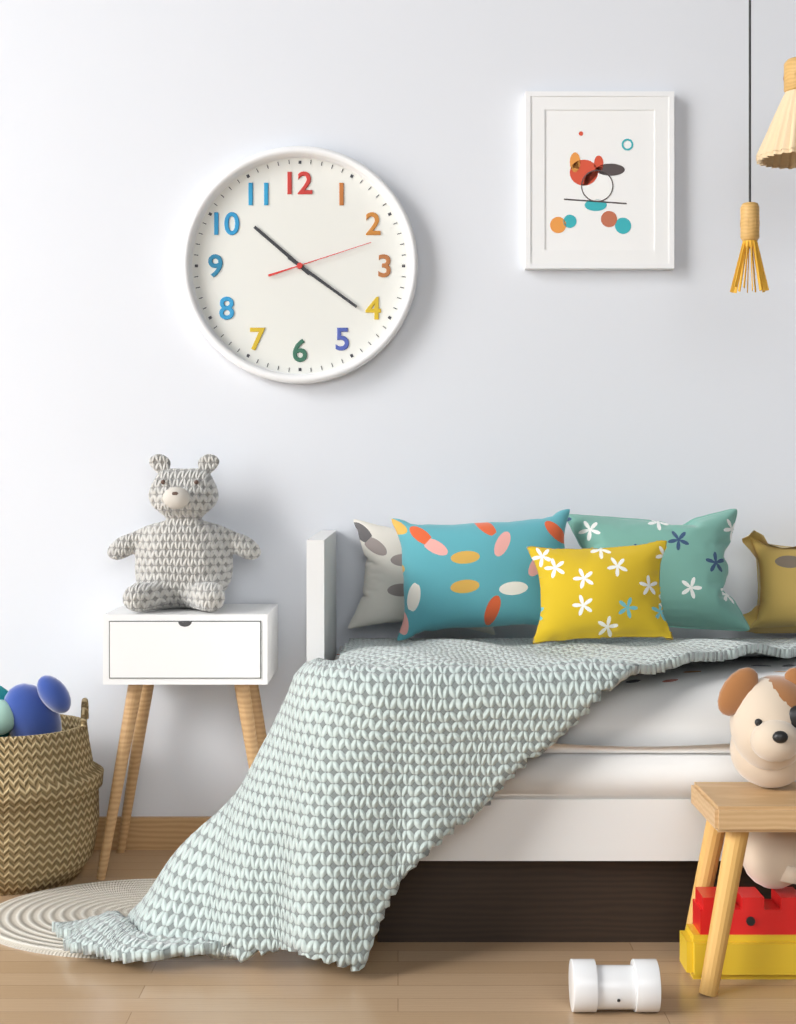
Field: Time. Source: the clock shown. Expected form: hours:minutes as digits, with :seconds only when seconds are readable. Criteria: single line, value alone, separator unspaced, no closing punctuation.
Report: 10:21:12
